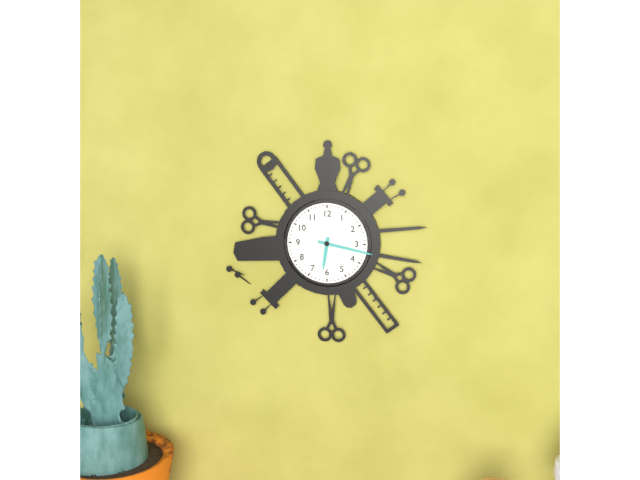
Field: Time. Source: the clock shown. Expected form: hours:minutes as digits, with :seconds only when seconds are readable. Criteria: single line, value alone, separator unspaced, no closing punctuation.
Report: 6:17
